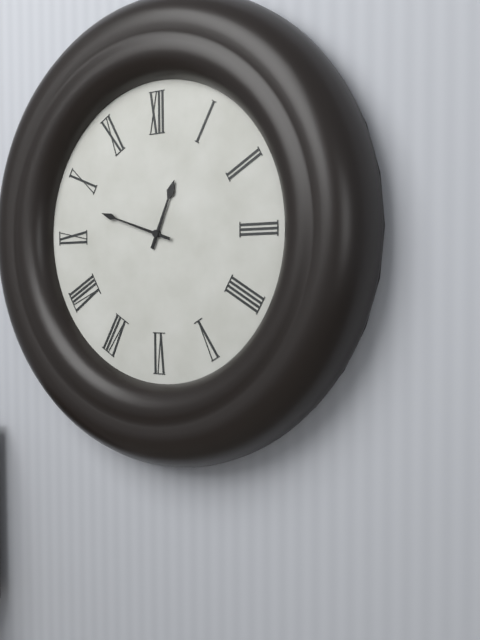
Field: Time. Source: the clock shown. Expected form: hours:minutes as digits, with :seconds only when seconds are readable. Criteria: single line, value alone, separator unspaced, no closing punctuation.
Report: 12:48
